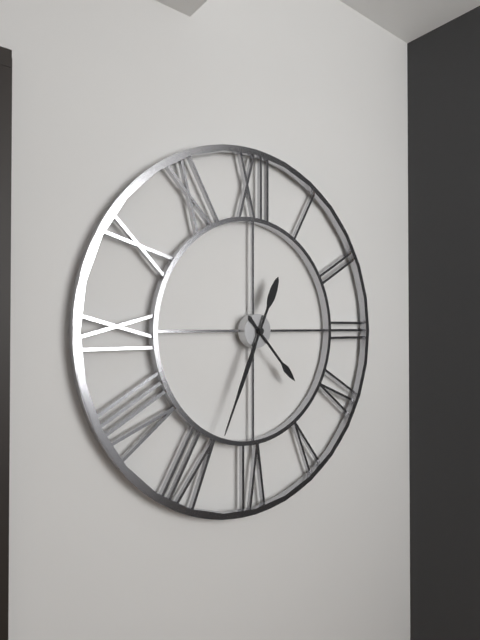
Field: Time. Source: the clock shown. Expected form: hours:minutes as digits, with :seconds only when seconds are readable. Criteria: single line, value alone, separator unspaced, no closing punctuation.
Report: 4:34
